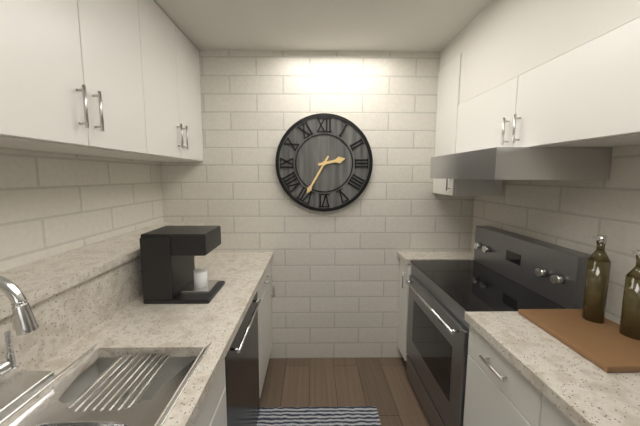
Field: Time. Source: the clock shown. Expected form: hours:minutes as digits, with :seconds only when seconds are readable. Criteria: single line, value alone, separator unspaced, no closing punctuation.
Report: 2:35
